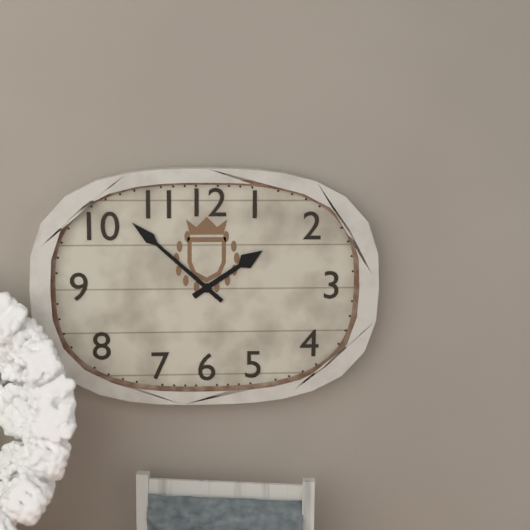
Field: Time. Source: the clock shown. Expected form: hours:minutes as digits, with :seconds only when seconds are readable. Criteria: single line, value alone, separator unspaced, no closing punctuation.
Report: 1:52
